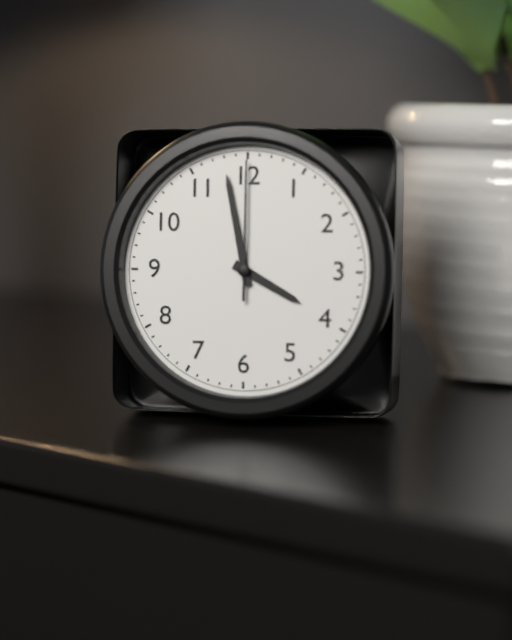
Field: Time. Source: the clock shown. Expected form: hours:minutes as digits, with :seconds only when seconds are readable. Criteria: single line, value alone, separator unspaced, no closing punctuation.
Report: 3:58:00
